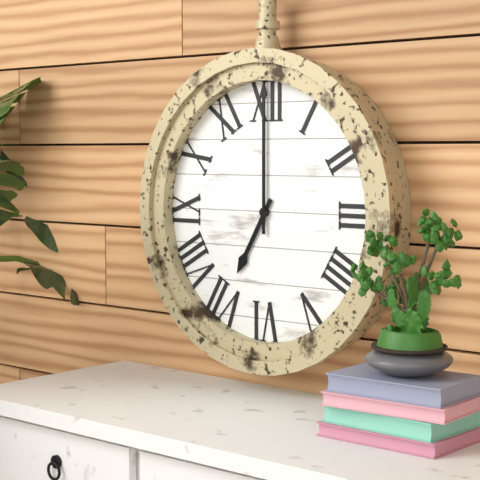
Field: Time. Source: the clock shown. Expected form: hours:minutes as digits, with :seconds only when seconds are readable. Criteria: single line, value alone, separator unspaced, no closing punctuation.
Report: 7:00
